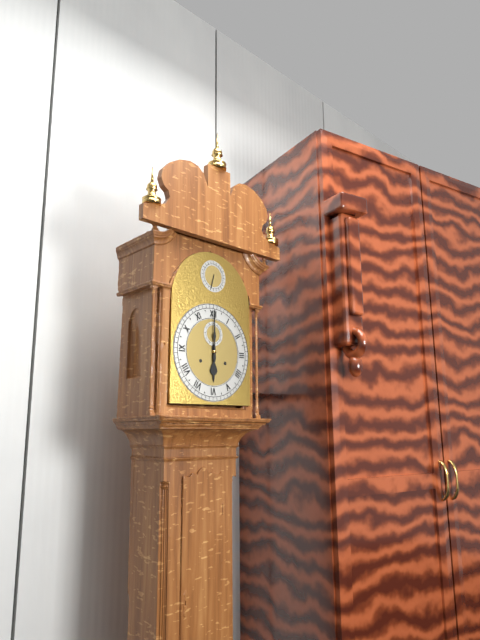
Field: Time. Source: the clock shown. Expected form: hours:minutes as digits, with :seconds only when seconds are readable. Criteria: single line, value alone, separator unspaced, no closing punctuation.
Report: 6:00
